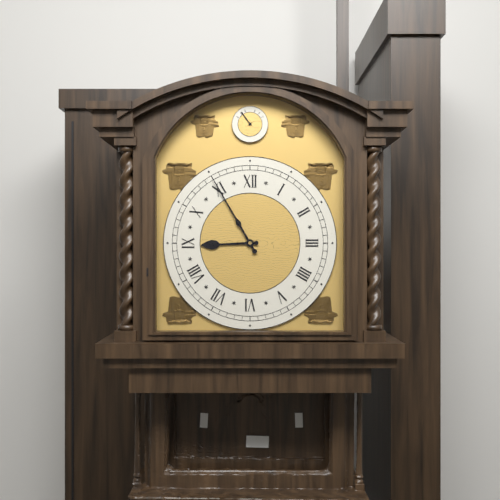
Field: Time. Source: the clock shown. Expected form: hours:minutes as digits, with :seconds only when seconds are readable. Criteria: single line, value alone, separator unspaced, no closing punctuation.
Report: 8:55
